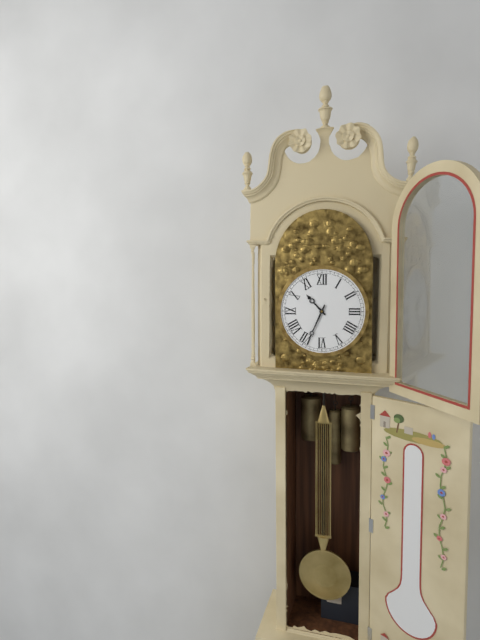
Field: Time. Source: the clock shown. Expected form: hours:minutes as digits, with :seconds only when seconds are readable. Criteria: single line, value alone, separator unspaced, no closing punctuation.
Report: 10:34
